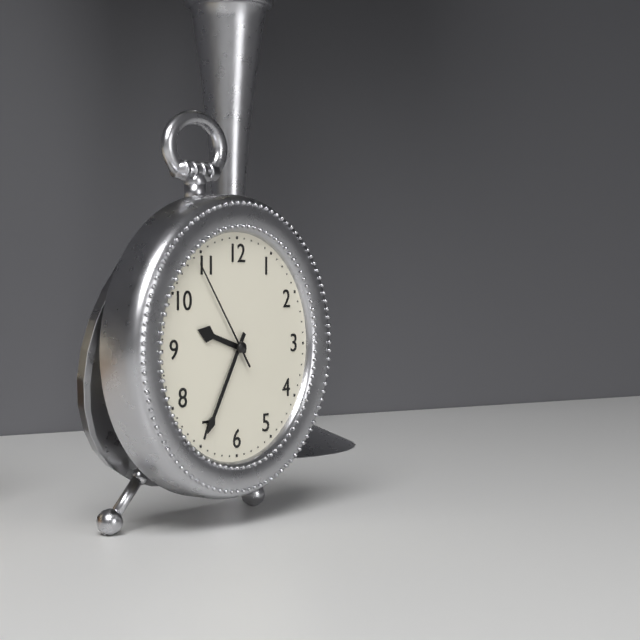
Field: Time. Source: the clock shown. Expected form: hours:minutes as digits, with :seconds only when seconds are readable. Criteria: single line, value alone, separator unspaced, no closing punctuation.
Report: 9:35:54
